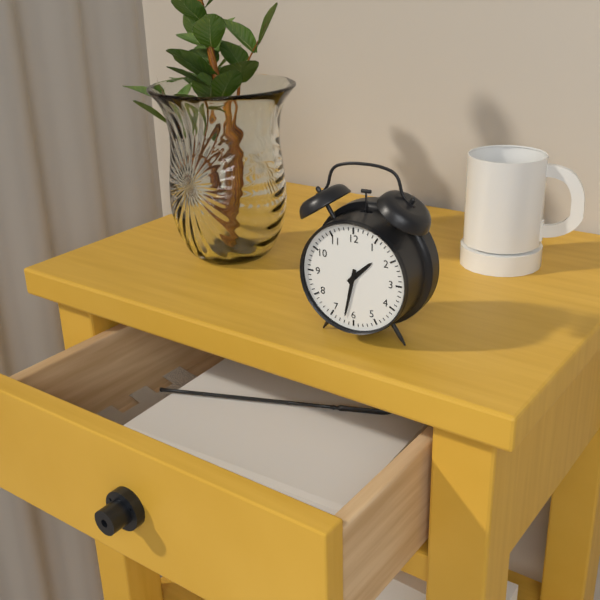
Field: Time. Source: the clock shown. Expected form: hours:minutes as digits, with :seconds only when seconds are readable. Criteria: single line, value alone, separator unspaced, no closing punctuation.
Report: 1:32
